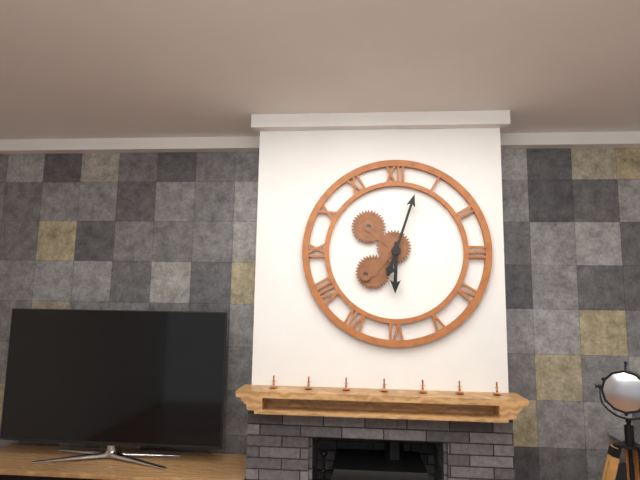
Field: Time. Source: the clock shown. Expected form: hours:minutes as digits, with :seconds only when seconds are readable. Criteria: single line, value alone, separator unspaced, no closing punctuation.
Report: 6:03
